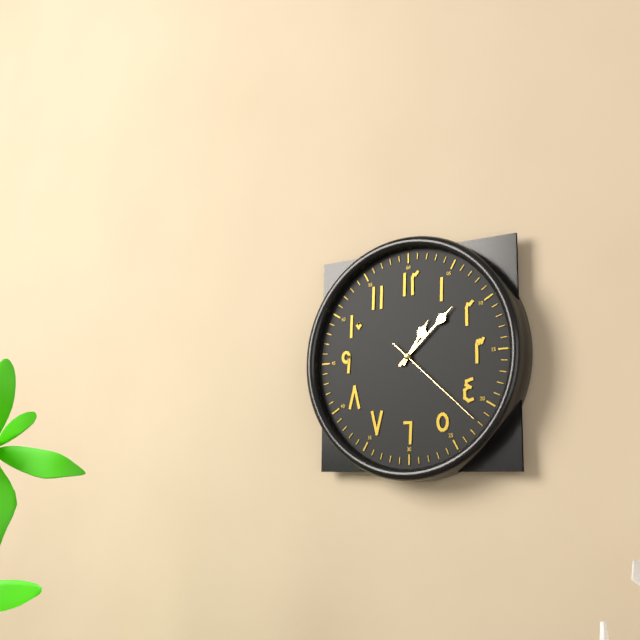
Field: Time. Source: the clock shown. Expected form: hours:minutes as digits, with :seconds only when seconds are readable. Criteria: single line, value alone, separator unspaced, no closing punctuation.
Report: 1:08:22
